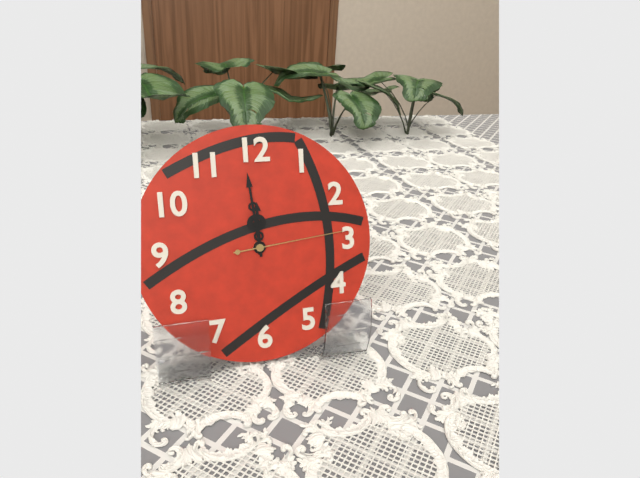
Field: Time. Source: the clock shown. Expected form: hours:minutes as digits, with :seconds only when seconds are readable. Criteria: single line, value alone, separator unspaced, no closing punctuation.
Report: 11:59:14
